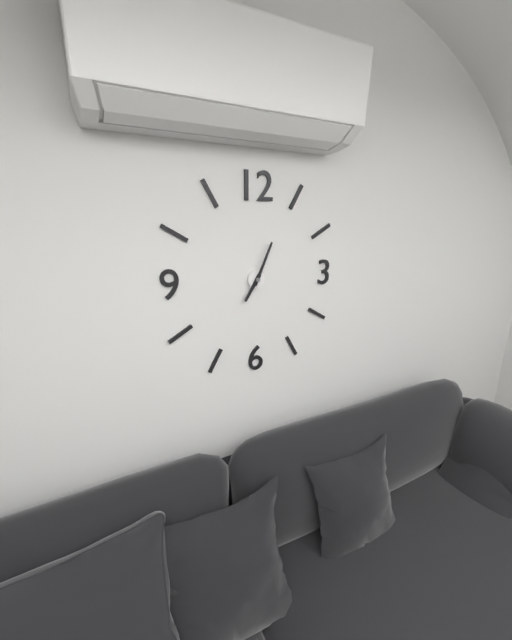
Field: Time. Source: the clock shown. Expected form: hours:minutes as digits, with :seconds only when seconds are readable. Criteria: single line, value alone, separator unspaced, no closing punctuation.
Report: 7:04
